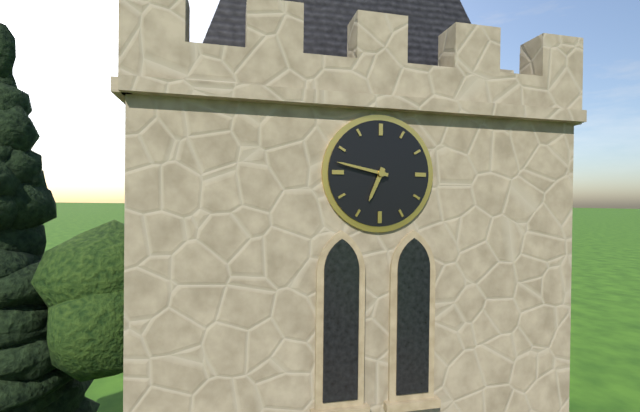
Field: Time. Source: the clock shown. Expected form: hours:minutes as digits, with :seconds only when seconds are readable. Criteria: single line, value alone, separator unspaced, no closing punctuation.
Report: 6:47
